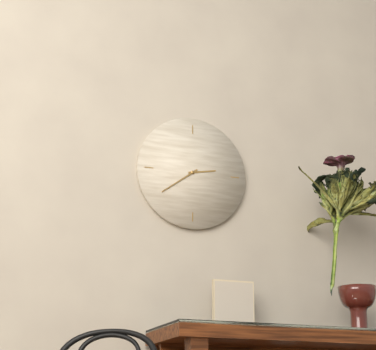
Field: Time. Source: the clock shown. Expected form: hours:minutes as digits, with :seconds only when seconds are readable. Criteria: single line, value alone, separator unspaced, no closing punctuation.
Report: 2:39
